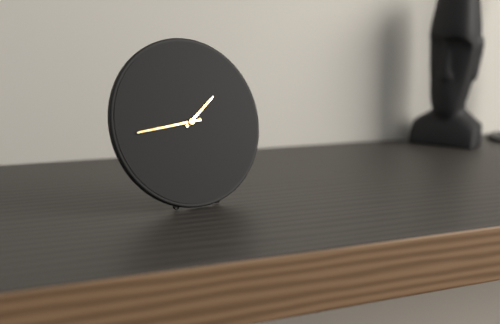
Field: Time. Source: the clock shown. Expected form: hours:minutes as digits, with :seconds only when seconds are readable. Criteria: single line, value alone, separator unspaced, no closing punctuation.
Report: 1:44
